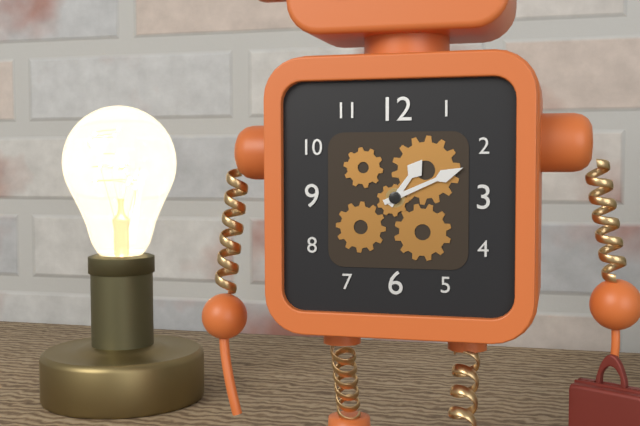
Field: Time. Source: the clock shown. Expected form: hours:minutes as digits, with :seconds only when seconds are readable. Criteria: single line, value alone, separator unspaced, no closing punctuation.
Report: 1:11
